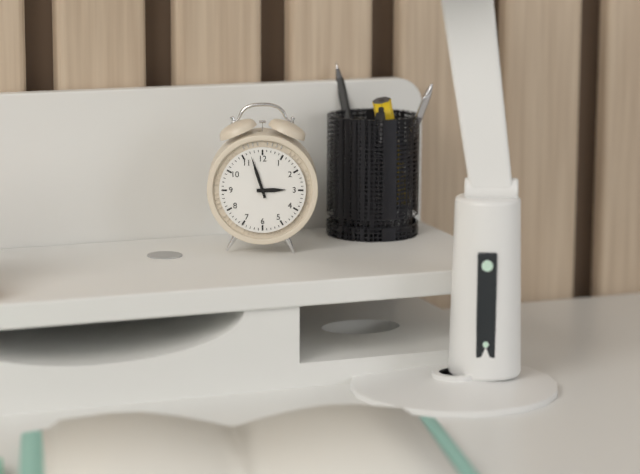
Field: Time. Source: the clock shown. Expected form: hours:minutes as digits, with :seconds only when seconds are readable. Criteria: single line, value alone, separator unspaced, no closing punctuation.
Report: 2:57
